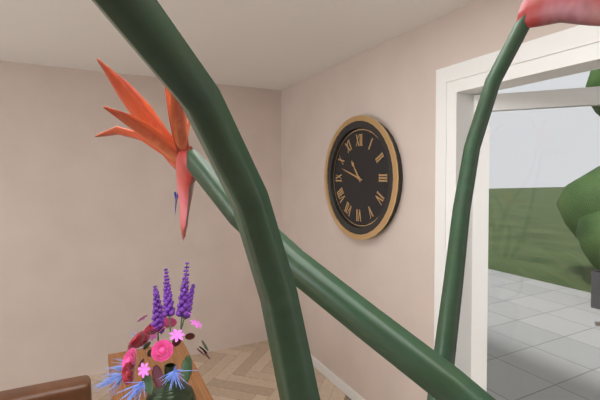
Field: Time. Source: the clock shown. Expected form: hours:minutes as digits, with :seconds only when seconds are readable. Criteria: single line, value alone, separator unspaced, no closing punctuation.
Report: 10:48
